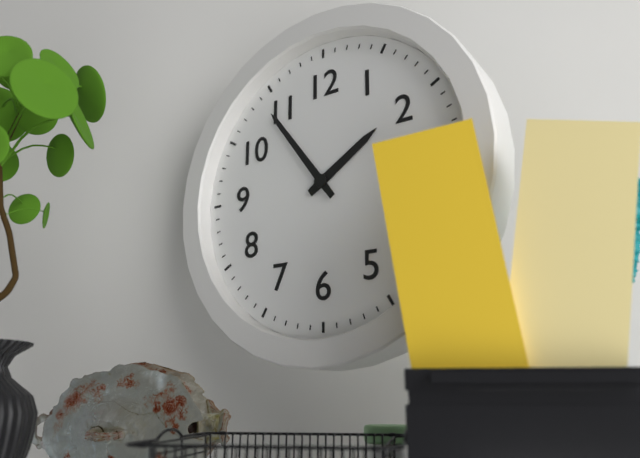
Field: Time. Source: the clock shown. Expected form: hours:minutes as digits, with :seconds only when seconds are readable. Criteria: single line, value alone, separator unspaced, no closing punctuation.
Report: 1:54
